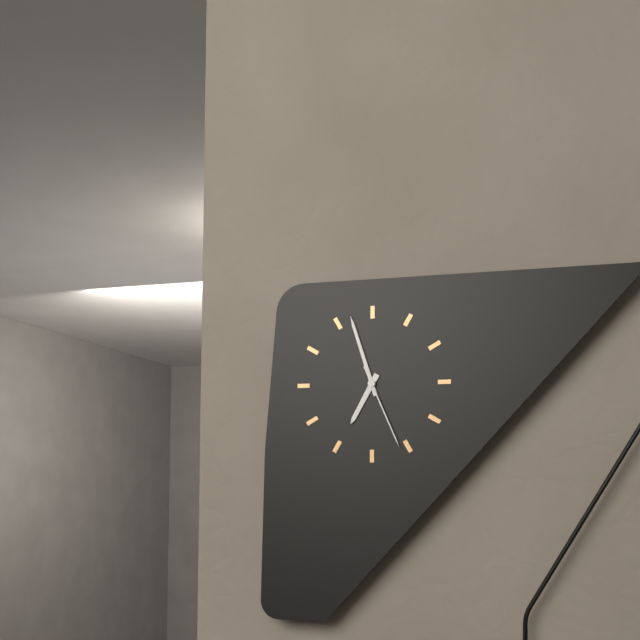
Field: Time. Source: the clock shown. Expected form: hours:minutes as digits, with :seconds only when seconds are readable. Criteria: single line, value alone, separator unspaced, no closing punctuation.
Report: 6:57:26
